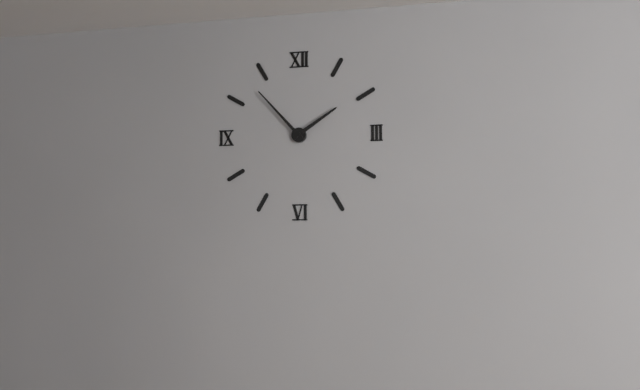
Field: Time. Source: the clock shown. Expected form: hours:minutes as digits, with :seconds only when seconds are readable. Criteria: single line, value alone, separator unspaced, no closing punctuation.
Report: 1:53
